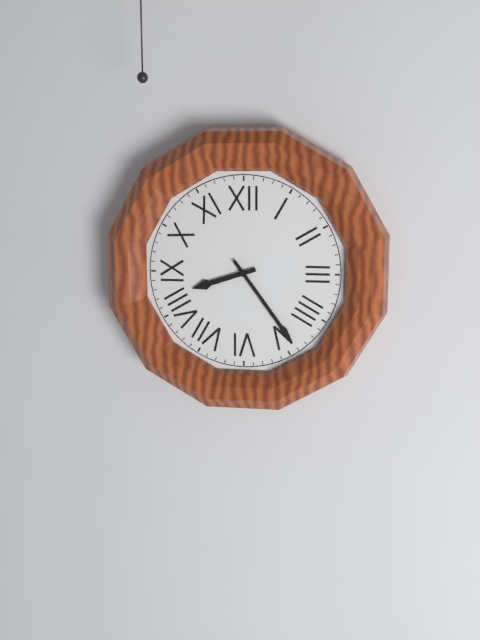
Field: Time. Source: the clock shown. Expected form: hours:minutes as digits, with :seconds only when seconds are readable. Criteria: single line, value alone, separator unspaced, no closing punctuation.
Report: 8:24
